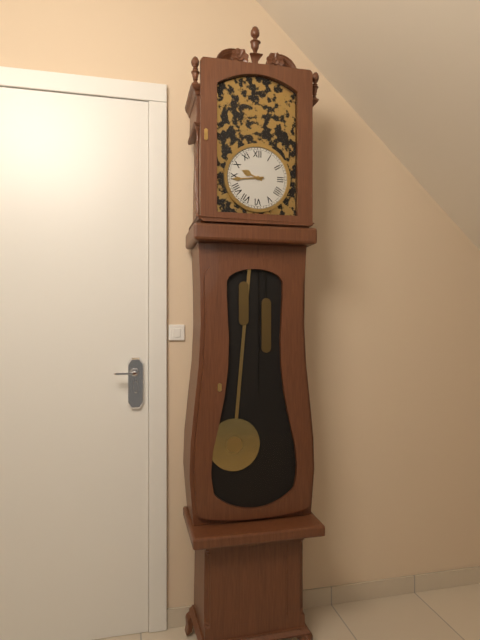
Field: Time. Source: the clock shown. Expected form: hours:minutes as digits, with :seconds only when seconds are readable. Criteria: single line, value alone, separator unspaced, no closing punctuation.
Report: 9:44
